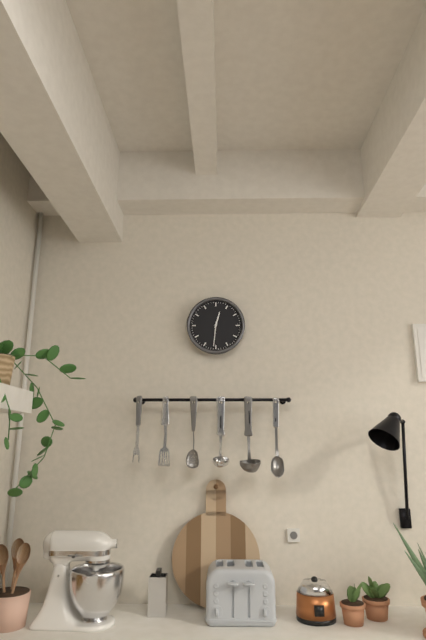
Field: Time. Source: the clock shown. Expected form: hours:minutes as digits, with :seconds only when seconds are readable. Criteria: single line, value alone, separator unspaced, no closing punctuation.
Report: 12:31
